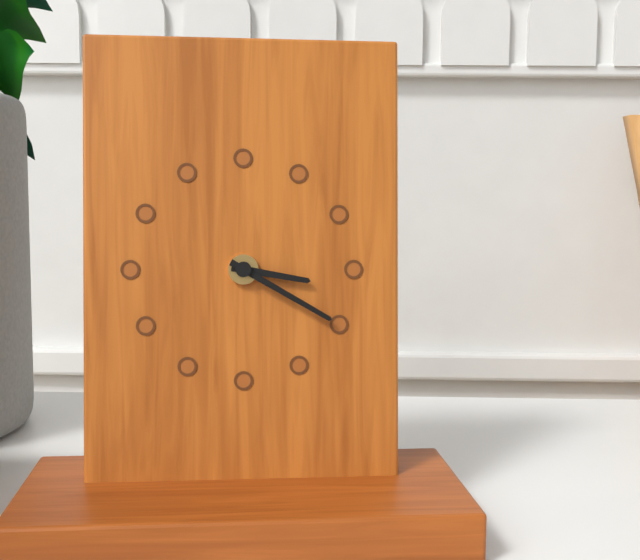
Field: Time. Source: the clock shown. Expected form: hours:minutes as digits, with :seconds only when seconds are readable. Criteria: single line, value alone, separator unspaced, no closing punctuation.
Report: 3:20
